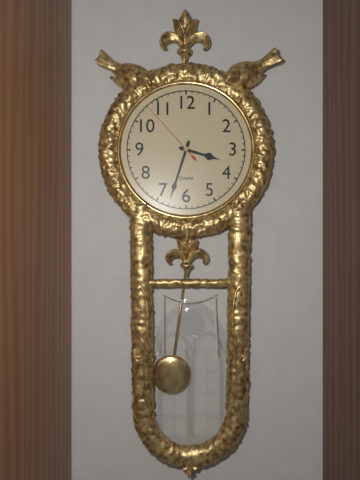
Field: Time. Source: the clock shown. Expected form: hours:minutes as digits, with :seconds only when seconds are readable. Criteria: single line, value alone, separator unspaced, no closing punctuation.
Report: 3:33:53
